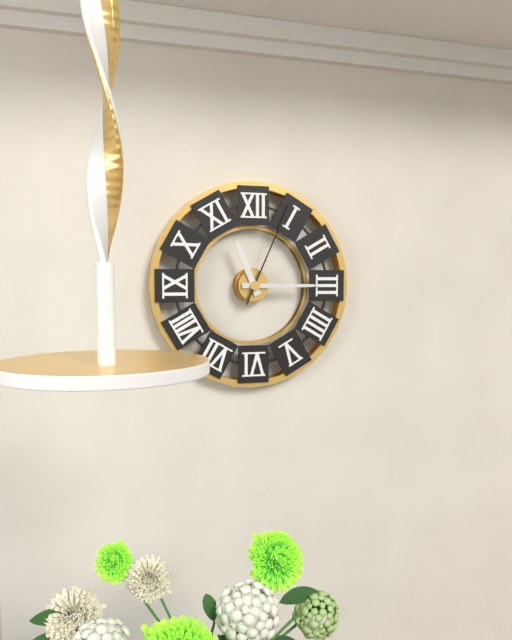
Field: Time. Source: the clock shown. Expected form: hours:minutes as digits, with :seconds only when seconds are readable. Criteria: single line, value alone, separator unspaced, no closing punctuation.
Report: 11:15:04
